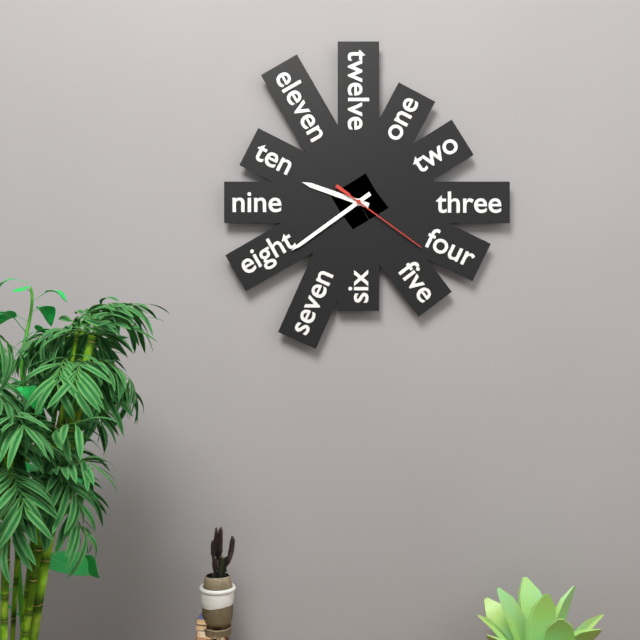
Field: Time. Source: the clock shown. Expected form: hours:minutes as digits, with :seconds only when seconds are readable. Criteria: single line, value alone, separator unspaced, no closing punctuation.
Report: 9:39:21
